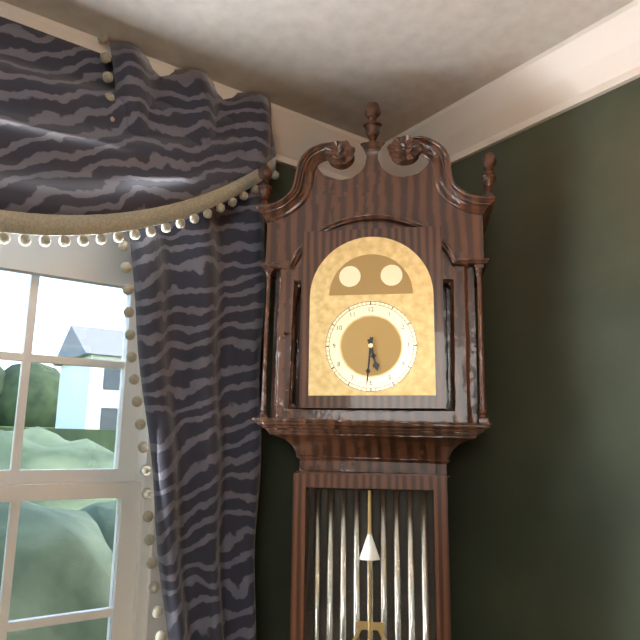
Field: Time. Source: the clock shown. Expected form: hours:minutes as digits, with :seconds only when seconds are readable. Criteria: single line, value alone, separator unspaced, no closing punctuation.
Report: 5:31
